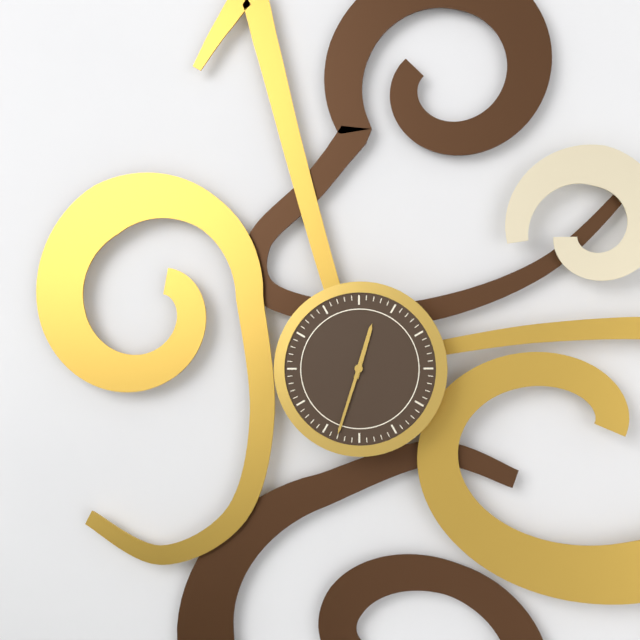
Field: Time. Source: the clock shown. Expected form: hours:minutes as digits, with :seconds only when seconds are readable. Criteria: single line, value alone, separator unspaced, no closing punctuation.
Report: 12:33
